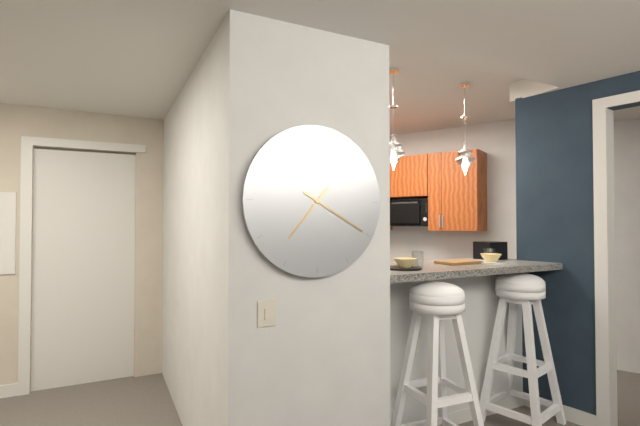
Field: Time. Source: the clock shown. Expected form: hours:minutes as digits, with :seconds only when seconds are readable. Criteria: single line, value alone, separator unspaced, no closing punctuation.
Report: 7:20
